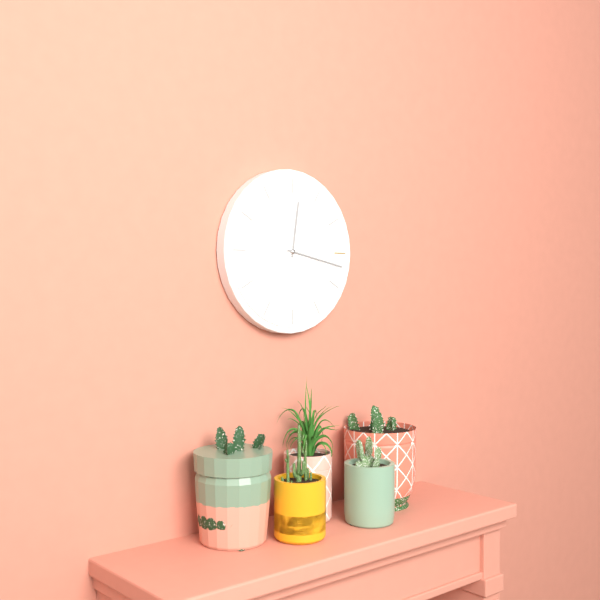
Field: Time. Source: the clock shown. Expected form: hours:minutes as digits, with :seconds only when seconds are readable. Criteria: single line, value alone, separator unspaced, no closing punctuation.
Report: 12:17
